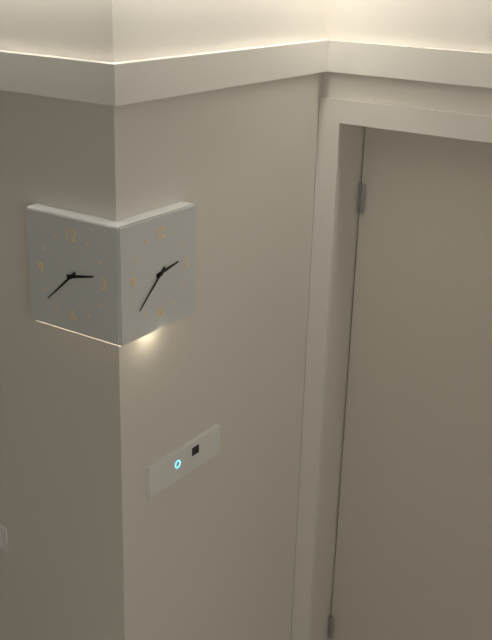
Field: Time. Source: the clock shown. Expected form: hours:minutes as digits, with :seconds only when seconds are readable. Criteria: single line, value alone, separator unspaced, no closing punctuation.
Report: 2:38
